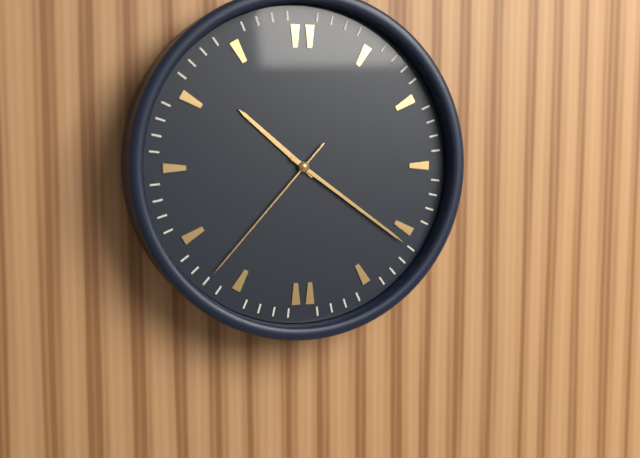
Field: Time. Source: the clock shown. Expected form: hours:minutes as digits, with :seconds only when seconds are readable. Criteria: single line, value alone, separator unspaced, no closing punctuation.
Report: 10:21:37
